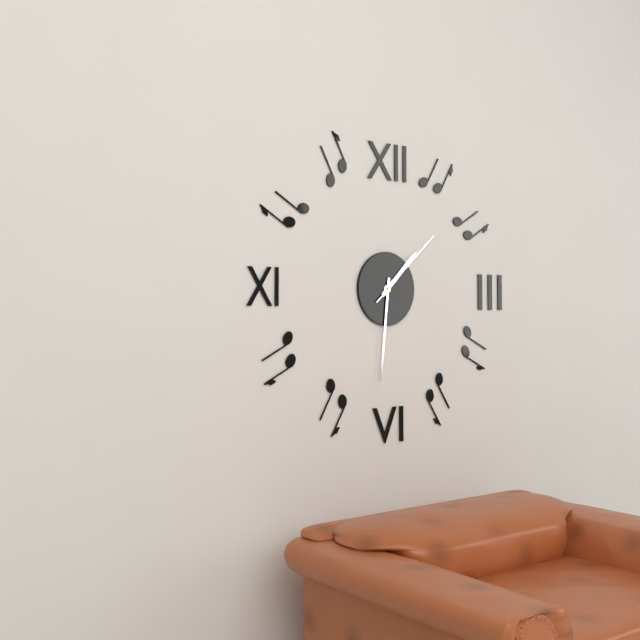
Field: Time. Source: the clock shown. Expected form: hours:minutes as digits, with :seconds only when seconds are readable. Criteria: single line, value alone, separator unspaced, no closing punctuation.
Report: 1:31:08
